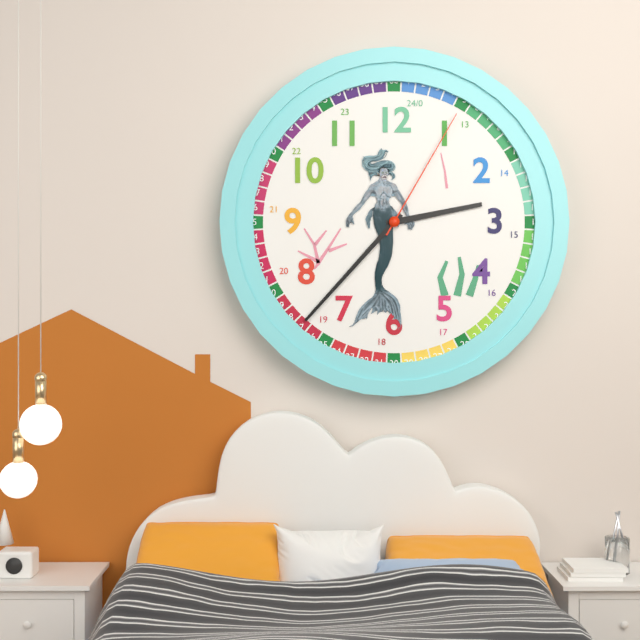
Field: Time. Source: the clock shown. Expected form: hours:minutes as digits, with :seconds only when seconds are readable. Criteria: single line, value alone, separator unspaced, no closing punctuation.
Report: 2:37:05
